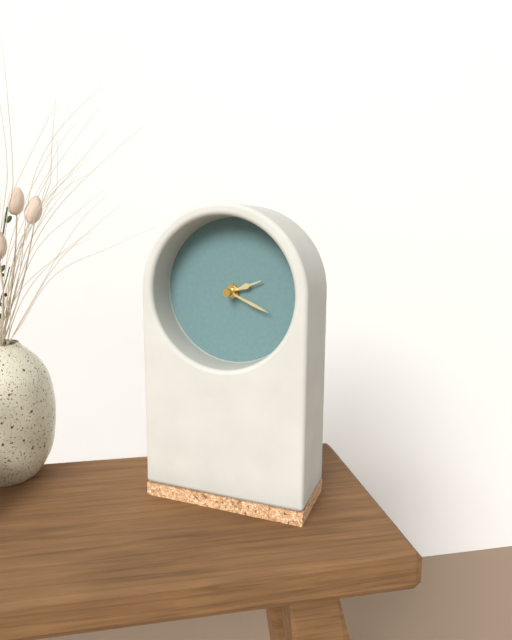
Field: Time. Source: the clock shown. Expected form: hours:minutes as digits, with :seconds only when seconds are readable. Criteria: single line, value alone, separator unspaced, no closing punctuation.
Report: 2:19
